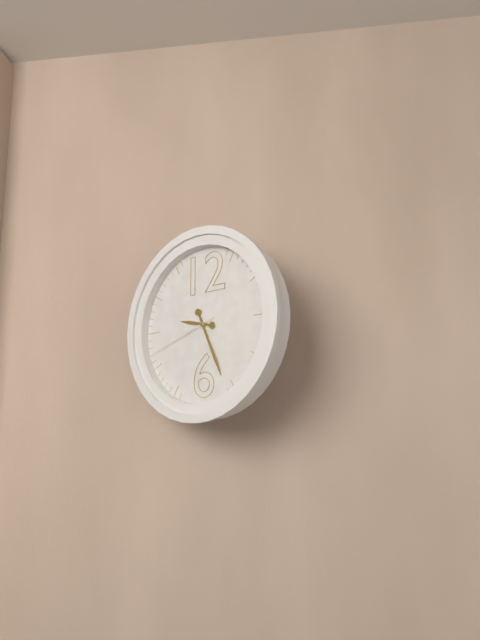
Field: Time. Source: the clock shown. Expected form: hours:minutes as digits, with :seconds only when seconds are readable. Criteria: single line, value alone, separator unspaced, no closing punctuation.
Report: 9:26:42
